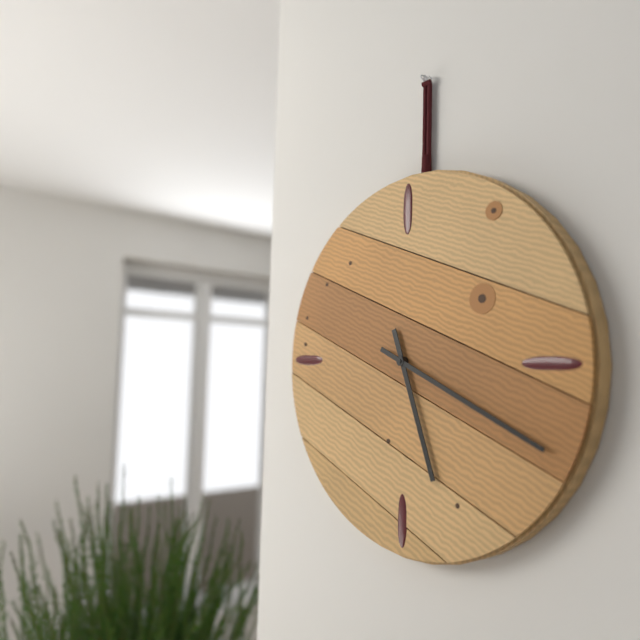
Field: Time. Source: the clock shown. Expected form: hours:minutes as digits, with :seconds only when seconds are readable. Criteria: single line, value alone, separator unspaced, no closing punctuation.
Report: 5:19
